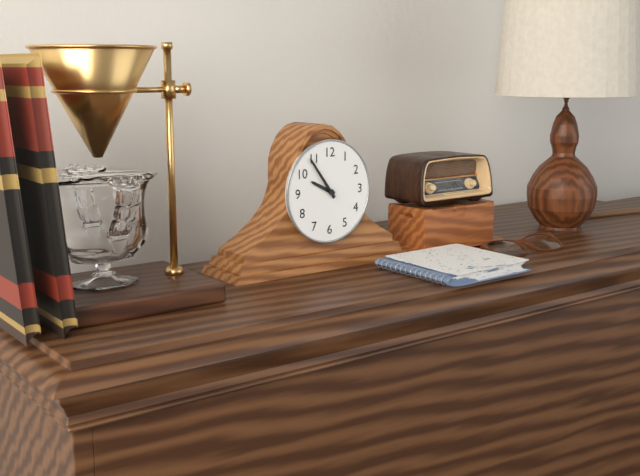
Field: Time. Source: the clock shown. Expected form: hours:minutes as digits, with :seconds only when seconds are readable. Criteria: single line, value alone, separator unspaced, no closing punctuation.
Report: 9:54
